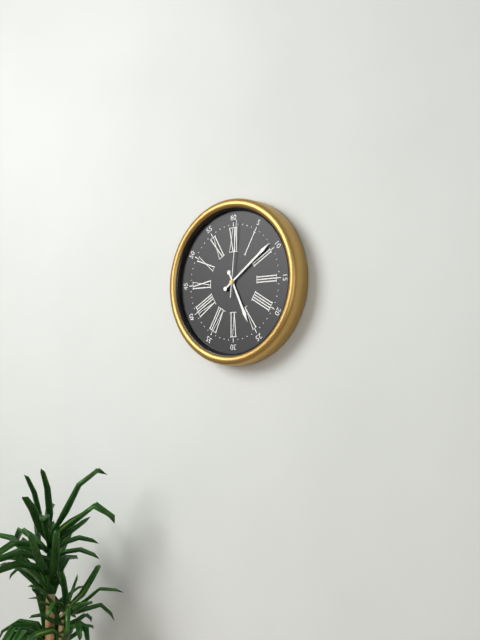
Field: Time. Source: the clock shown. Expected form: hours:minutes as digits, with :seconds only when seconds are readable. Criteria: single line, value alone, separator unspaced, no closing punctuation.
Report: 5:09:01
